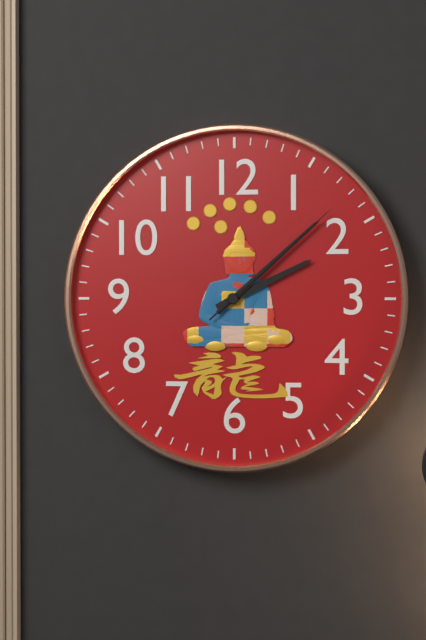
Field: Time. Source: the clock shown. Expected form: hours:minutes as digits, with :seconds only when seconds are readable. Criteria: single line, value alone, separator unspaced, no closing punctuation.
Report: 2:08:08
